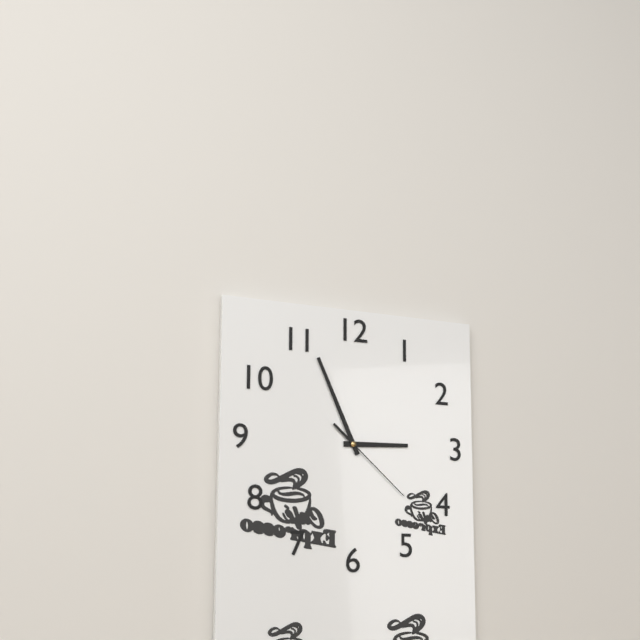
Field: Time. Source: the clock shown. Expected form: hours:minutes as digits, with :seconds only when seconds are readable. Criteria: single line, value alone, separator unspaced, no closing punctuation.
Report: 2:56:22
